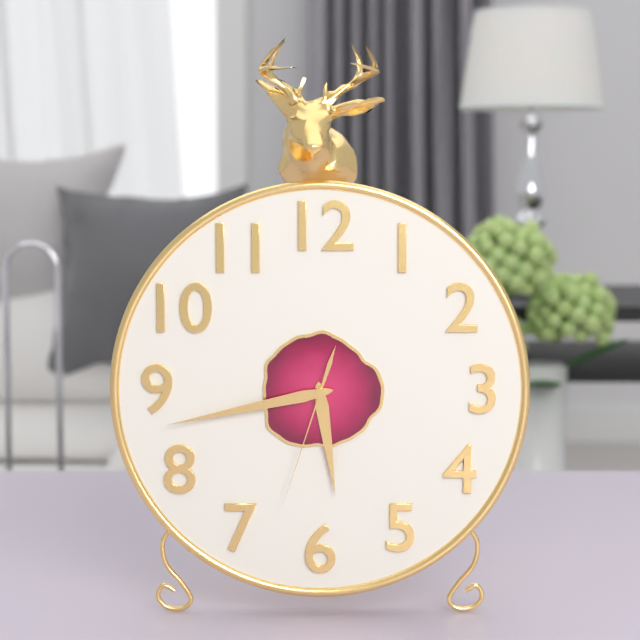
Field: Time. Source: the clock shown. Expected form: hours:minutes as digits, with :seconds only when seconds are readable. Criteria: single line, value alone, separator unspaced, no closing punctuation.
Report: 5:43:33
